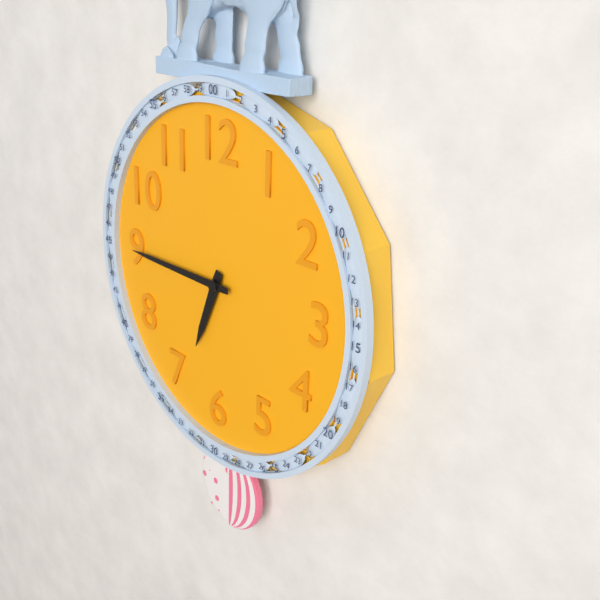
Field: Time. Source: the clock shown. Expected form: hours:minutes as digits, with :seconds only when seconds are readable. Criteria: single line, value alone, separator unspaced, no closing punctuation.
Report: 6:45
